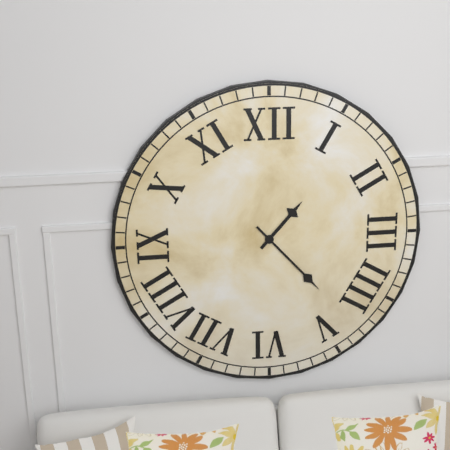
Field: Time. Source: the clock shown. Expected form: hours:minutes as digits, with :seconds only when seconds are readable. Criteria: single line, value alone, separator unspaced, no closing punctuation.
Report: 1:23
